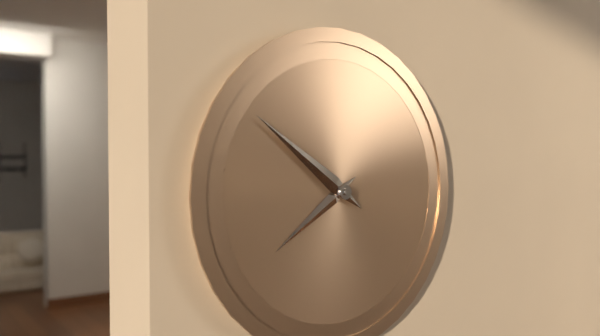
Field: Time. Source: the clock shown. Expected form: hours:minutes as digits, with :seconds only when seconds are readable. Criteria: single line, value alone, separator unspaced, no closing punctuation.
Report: 7:51
